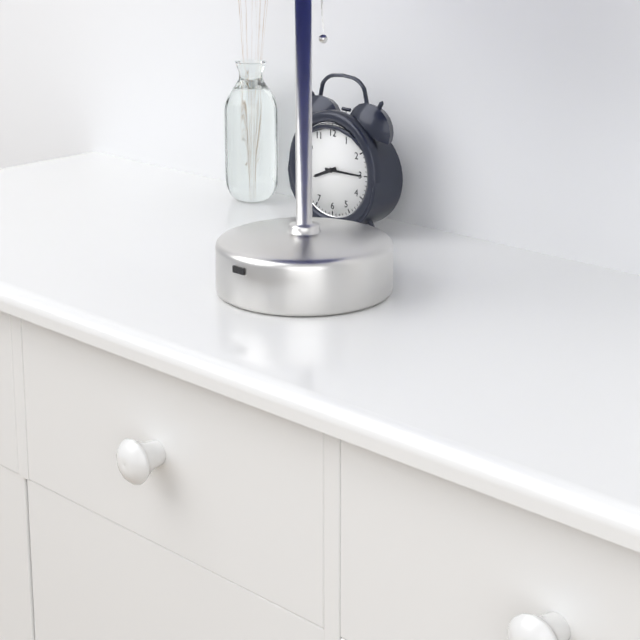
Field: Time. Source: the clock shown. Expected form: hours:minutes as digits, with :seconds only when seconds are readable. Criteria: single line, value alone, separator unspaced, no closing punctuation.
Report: 8:15
